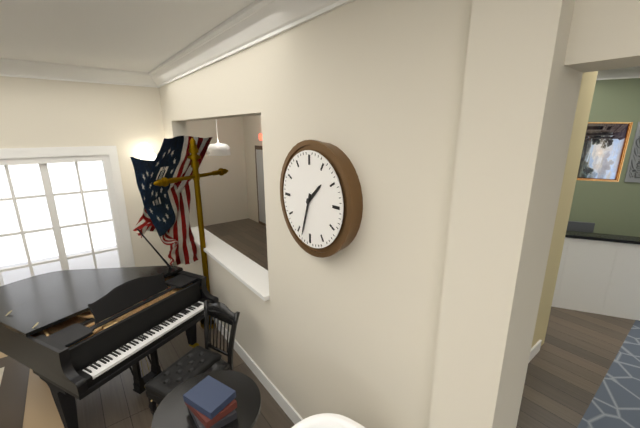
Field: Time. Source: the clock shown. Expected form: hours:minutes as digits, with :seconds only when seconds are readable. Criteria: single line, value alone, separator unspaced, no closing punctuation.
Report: 1:33
